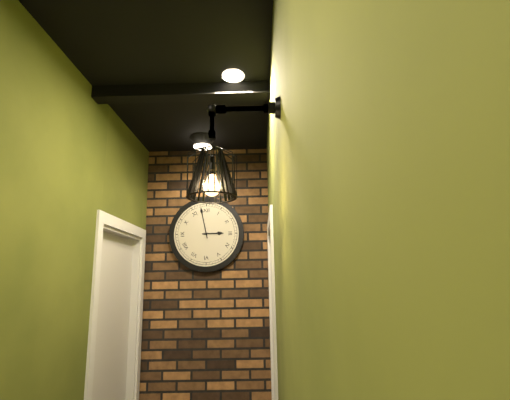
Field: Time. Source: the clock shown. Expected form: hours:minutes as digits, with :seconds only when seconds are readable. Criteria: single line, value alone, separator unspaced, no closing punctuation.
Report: 2:58
